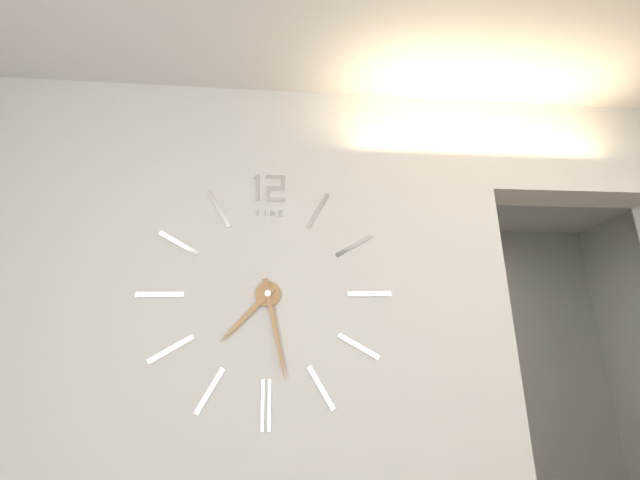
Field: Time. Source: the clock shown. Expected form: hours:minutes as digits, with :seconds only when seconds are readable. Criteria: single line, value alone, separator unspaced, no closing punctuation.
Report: 7:28
